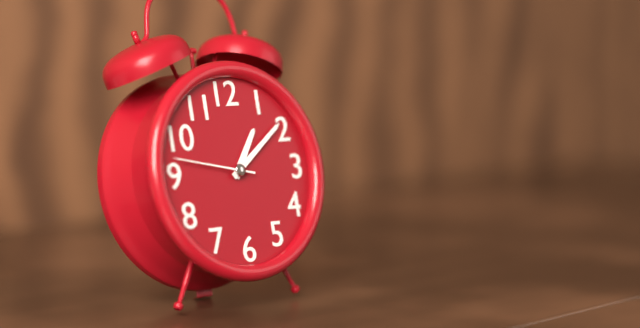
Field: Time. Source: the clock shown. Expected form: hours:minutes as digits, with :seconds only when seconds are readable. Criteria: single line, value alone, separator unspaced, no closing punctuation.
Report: 1:09:47
